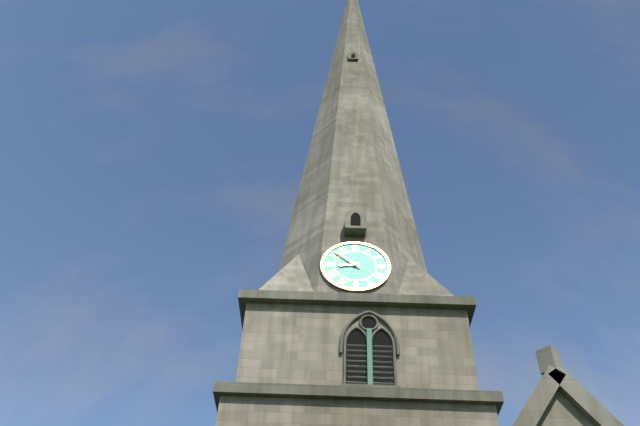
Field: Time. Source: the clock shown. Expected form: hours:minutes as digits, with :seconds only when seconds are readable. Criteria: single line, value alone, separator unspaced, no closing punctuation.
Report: 8:52
